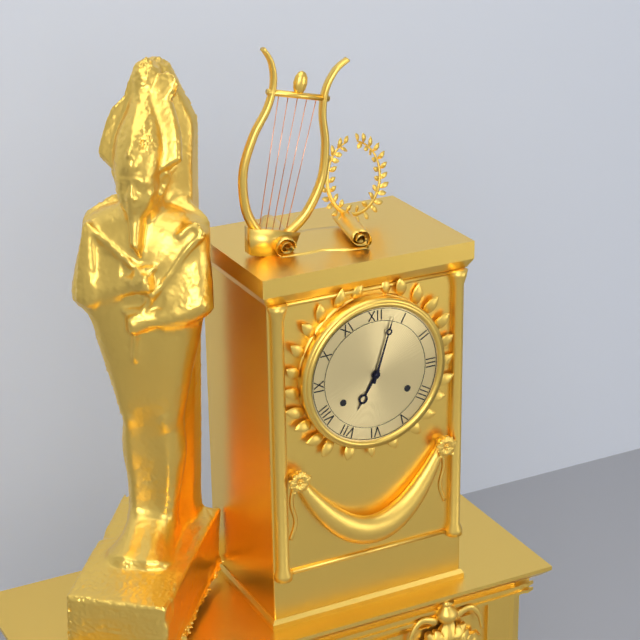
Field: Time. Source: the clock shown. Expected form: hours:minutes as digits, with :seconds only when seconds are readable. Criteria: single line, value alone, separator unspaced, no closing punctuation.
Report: 7:03
